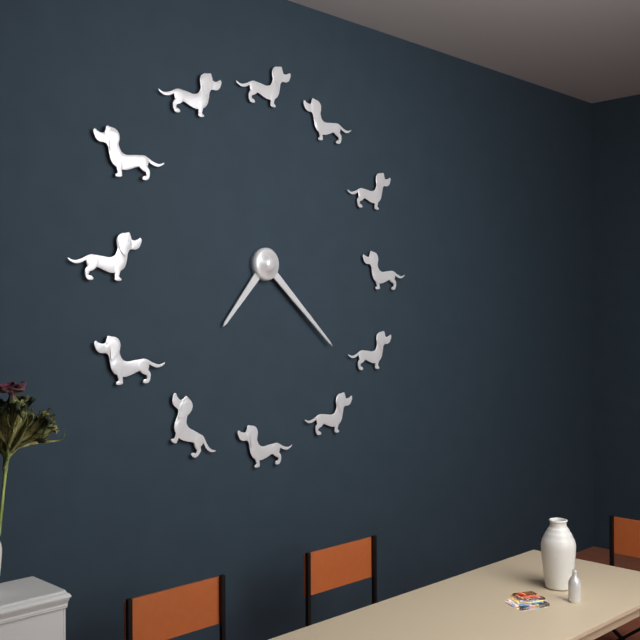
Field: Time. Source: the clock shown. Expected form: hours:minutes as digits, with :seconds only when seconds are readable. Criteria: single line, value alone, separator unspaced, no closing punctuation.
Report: 7:22
